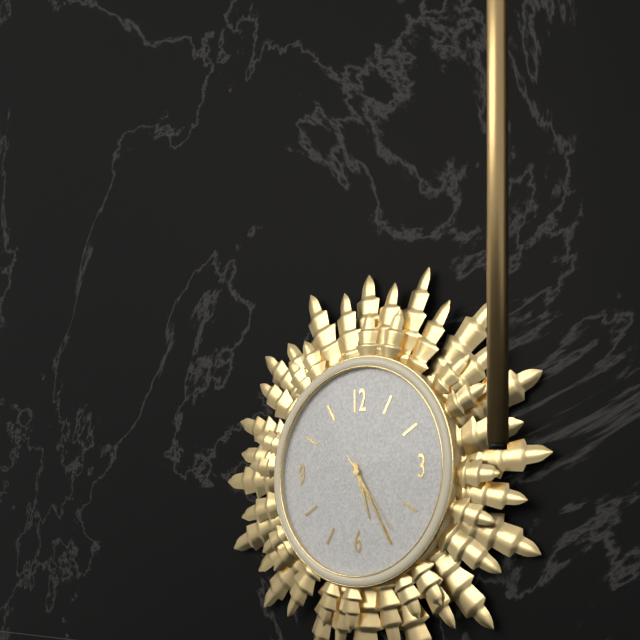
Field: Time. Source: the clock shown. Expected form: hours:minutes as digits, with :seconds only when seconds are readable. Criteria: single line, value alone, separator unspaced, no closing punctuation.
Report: 5:25:24
